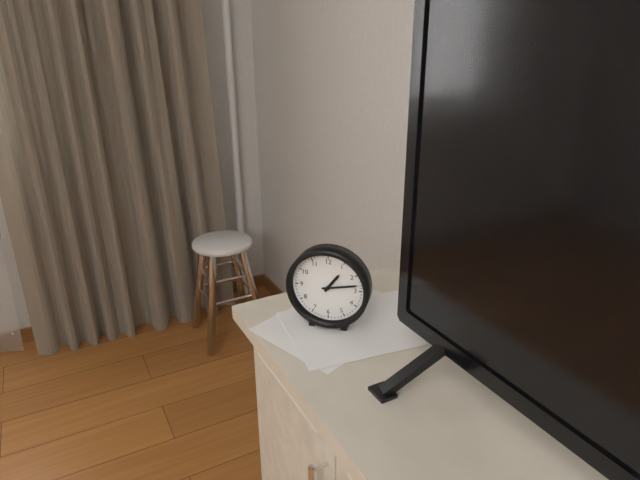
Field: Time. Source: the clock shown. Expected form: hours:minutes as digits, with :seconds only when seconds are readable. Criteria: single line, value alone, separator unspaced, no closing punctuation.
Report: 1:13
